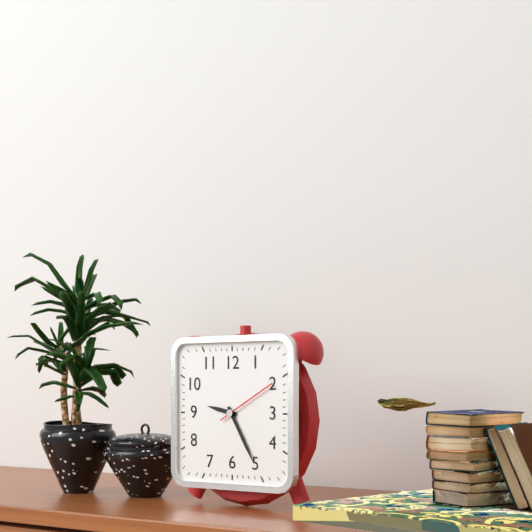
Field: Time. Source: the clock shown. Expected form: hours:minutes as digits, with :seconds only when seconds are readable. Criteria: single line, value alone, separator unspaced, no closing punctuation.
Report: 9:25:10
